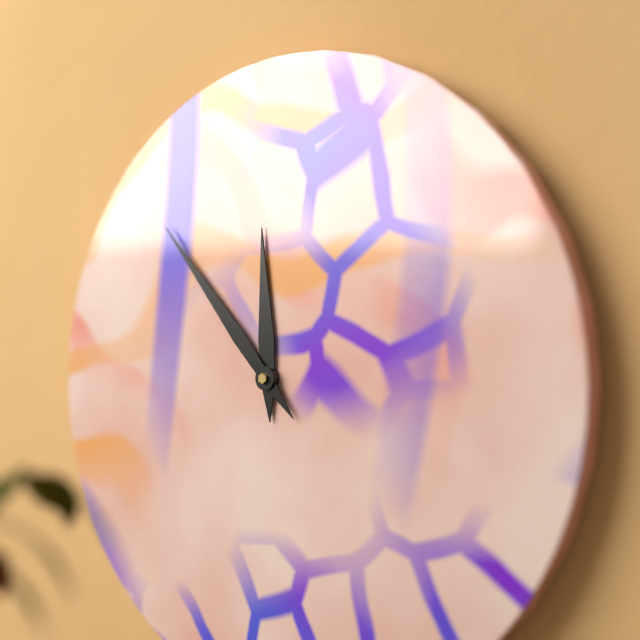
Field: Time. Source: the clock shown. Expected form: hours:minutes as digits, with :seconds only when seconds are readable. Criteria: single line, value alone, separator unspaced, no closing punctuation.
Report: 11:53
